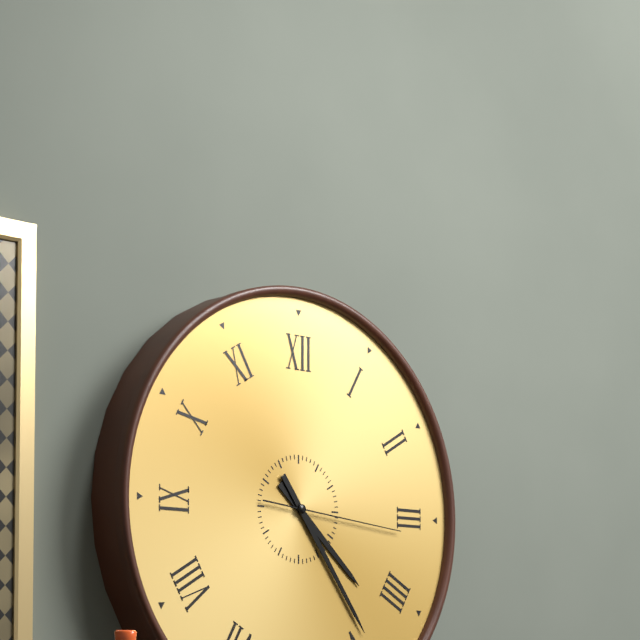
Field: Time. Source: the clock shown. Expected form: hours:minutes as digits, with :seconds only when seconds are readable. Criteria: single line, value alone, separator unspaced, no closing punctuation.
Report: 4:24:16
